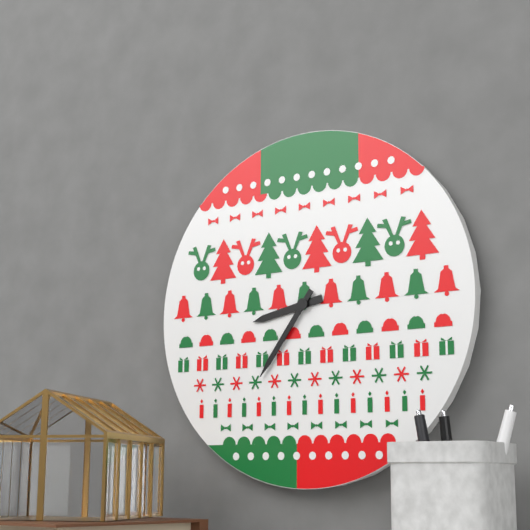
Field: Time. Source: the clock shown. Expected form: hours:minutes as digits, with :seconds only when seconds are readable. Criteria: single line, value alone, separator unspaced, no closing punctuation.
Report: 8:36
